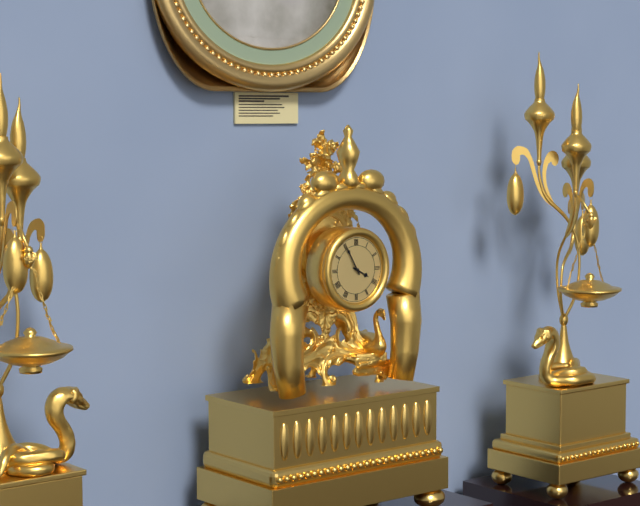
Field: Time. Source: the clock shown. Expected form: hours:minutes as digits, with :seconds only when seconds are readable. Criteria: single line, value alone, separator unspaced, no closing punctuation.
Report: 3:55
